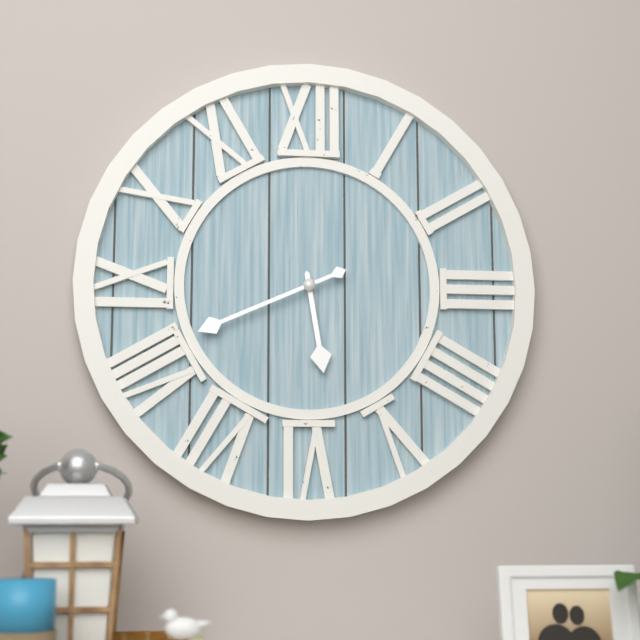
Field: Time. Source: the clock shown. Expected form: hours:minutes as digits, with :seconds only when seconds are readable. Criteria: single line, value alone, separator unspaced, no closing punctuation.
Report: 5:41
